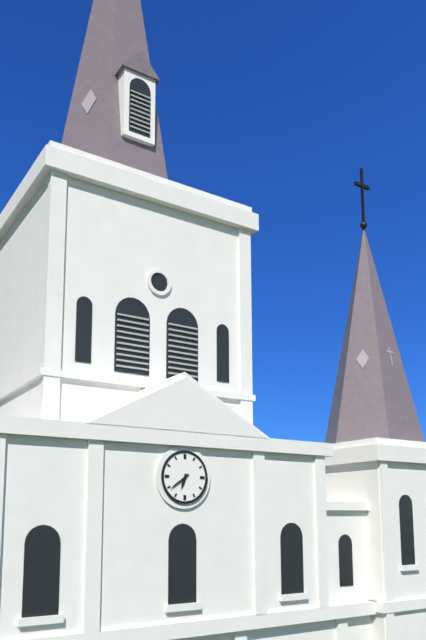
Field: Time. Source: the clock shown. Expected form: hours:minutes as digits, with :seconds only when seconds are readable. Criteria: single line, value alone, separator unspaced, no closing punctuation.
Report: 6:39
